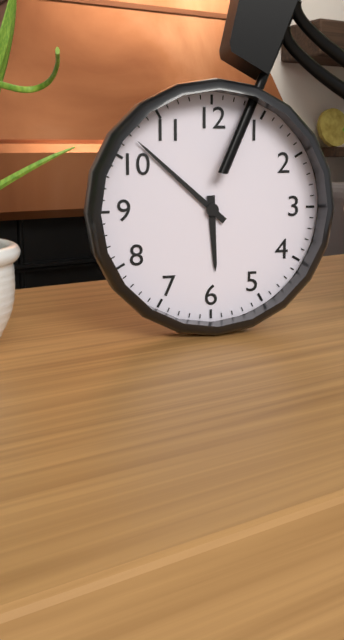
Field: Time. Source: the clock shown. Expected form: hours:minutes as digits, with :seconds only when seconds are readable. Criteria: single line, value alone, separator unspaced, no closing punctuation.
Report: 5:52
